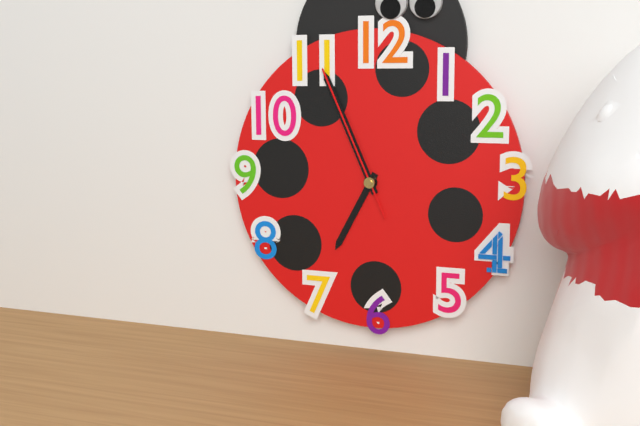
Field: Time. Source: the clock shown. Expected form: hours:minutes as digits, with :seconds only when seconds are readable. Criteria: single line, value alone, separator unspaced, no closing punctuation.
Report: 6:56:56
